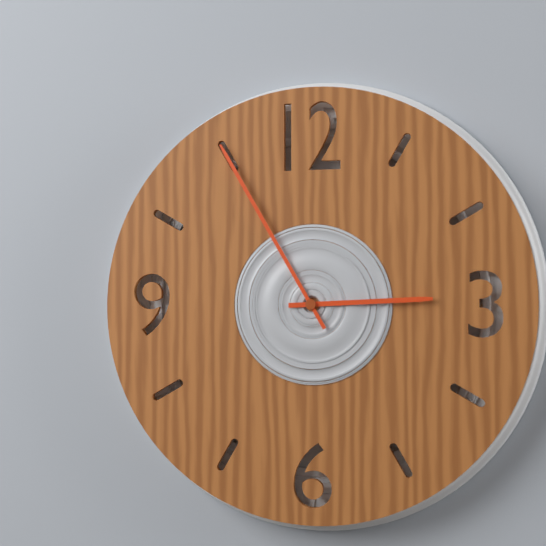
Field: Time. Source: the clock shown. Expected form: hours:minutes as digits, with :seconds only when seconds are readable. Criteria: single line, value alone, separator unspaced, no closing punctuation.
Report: 2:55
